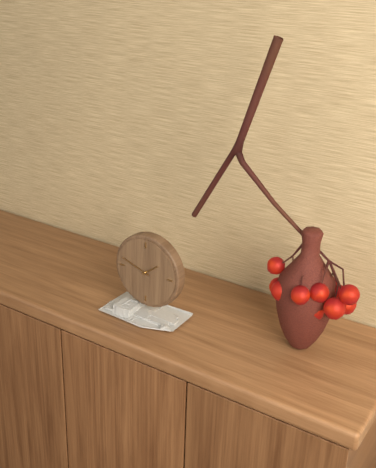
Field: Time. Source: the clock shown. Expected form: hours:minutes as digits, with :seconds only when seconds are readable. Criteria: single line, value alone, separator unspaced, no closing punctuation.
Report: 1:48
